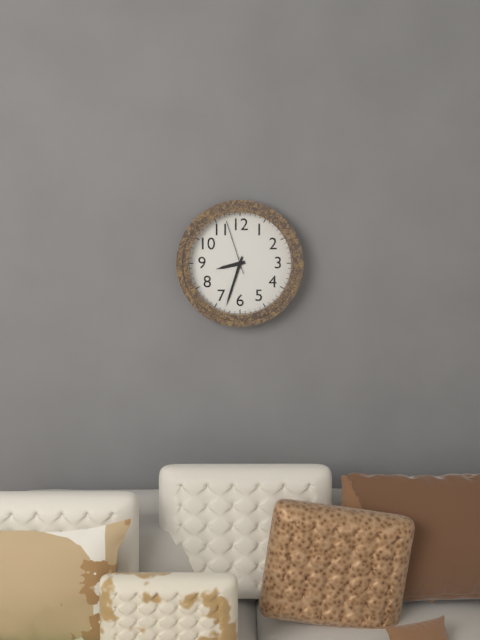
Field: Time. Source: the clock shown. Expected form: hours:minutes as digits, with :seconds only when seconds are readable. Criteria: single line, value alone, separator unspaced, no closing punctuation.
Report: 8:33:57
